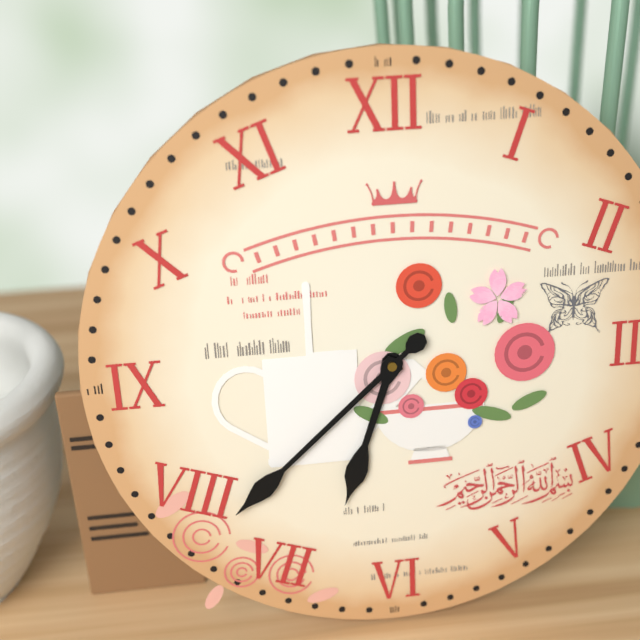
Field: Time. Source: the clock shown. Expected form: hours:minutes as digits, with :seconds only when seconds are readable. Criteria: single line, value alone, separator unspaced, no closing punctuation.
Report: 6:38
